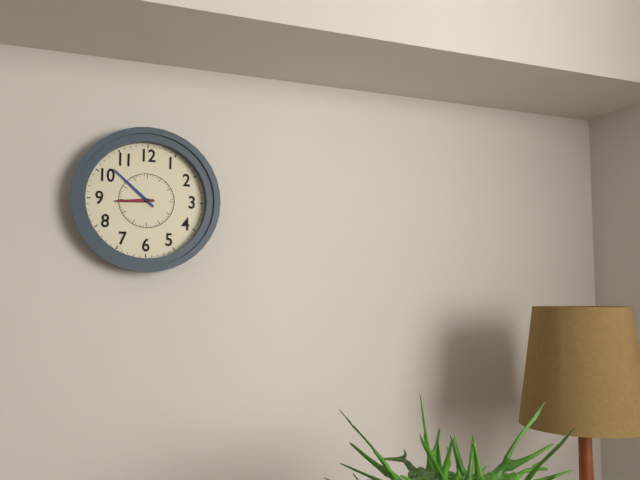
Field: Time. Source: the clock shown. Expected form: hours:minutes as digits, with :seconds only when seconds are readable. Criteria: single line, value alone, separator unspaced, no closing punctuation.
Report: 8:52
